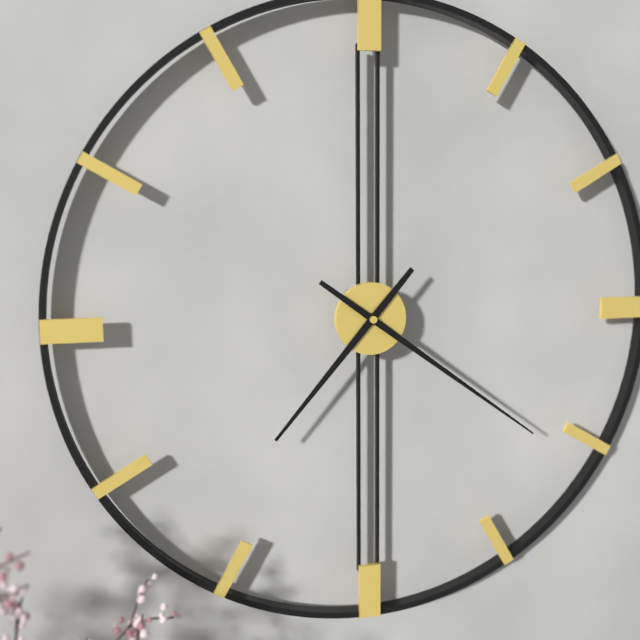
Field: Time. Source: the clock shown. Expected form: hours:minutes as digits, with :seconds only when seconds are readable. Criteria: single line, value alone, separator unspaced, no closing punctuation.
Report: 7:21
